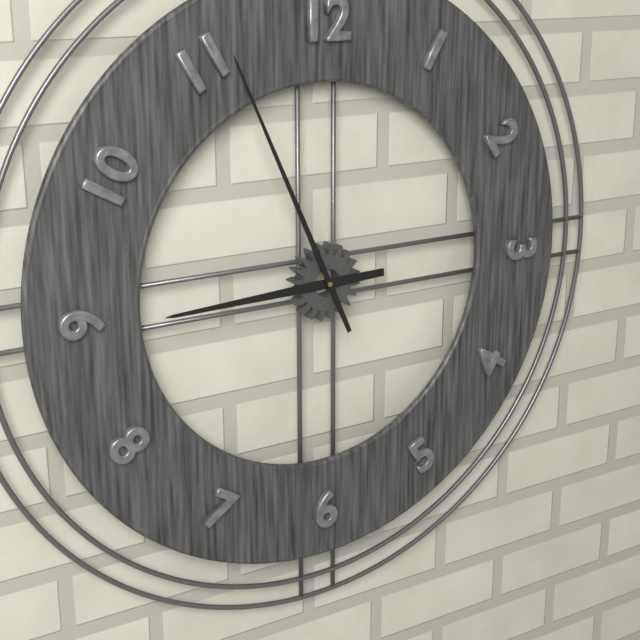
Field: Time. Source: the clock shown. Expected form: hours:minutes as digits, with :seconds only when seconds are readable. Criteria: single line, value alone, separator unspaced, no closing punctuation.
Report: 8:56
